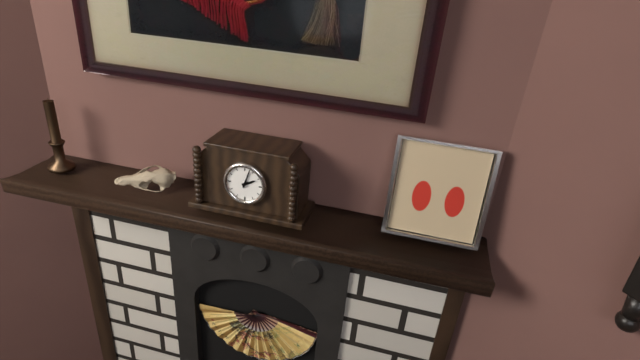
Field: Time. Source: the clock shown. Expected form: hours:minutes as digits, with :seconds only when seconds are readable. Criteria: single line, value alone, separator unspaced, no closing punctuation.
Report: 2:03
